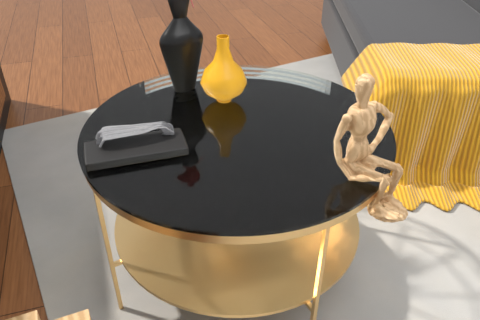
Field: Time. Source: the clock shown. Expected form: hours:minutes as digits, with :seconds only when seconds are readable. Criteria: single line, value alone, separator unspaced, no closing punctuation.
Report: 3:30
